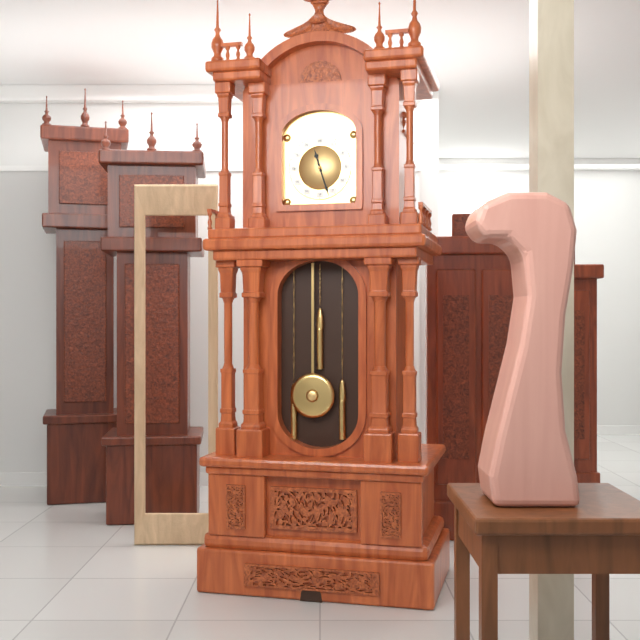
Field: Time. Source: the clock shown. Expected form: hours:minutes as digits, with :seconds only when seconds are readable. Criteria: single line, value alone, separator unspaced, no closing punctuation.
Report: 11:27
